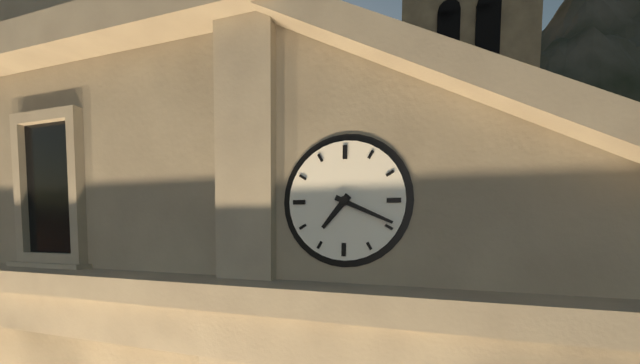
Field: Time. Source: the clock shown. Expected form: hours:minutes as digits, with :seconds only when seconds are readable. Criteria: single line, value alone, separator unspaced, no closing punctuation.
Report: 7:19
